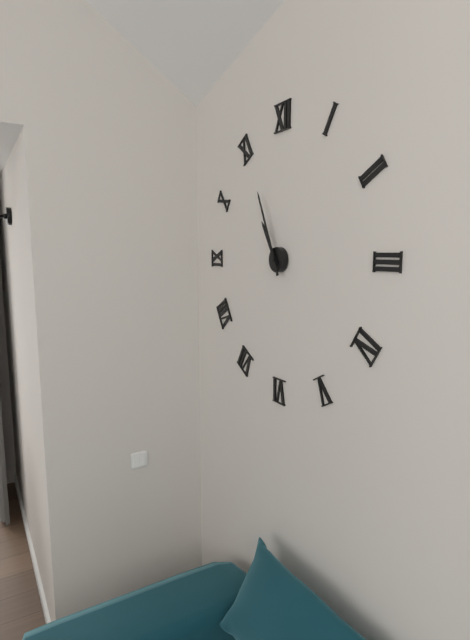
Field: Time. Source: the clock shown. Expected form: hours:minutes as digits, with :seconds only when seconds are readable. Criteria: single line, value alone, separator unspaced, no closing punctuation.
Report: 10:56
